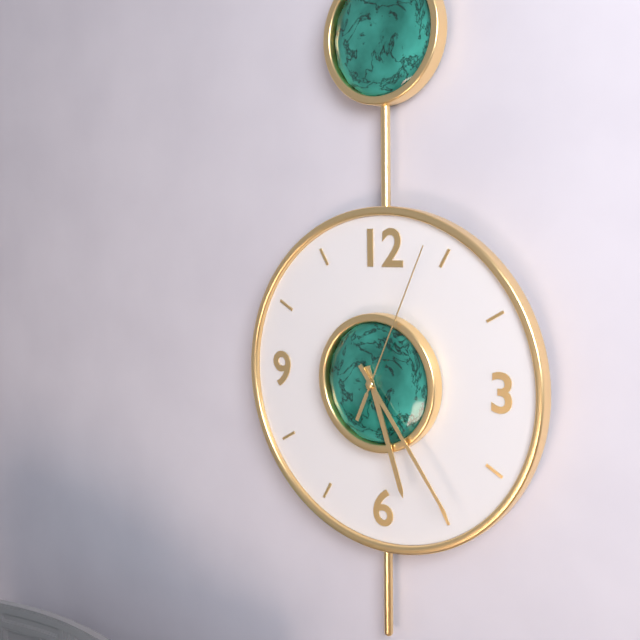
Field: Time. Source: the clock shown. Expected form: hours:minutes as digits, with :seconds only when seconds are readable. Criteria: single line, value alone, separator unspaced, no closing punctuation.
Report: 5:24:04
